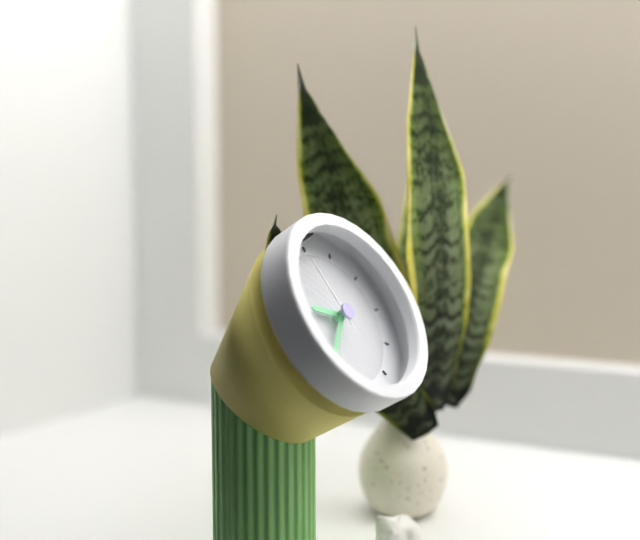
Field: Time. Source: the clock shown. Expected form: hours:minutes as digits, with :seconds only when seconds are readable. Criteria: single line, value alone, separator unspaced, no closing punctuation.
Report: 9:38:58
